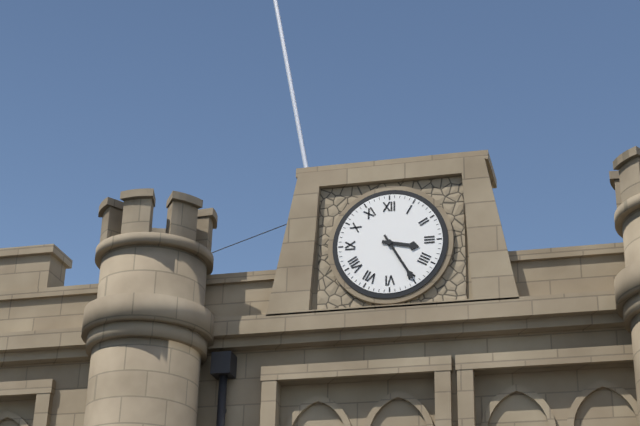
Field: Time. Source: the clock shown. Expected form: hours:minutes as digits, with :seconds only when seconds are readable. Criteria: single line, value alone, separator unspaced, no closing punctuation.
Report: 3:25
